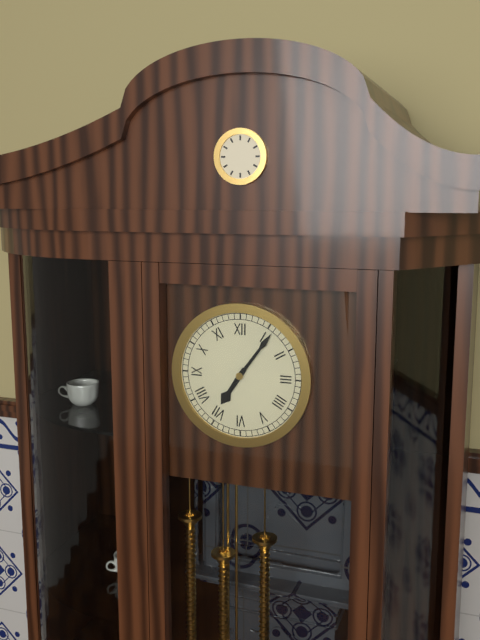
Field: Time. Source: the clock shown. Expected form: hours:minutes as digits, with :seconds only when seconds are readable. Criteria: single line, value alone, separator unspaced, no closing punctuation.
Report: 7:06
